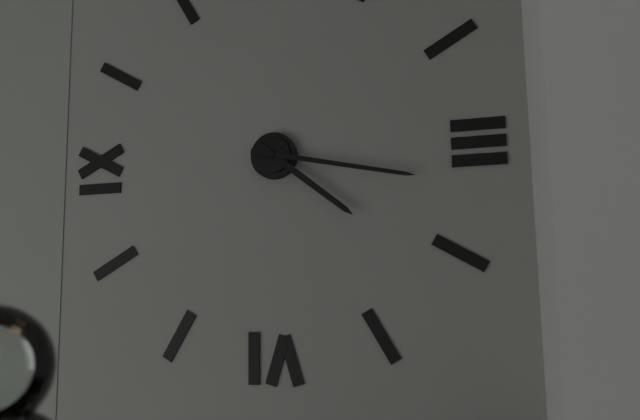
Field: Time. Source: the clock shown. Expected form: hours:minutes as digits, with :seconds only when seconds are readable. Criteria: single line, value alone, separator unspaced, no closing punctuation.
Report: 4:17
